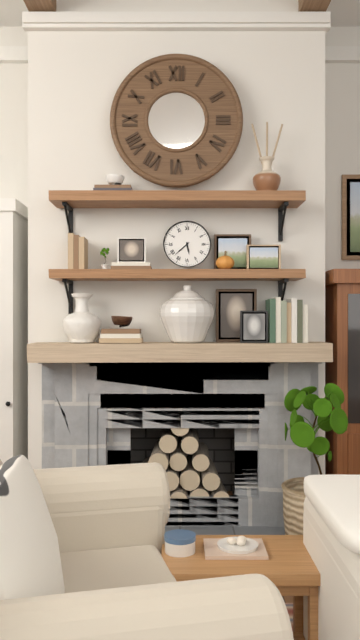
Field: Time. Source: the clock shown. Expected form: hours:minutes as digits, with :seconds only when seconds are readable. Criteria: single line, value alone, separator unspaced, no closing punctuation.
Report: 5:38
